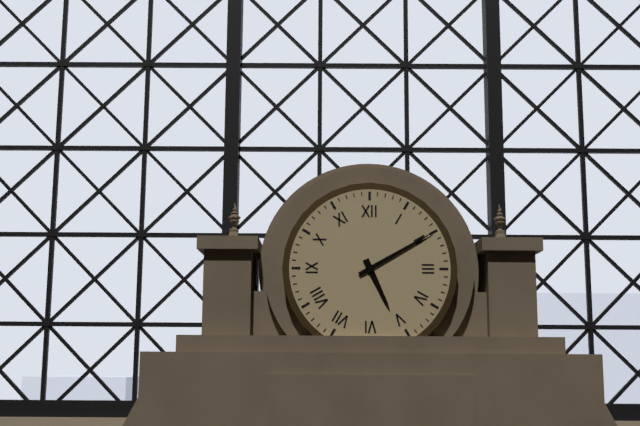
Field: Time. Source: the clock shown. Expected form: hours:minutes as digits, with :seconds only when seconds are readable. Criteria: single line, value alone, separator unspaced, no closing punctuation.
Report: 5:10
